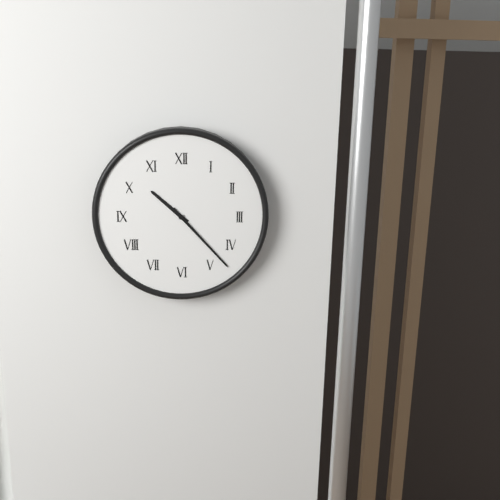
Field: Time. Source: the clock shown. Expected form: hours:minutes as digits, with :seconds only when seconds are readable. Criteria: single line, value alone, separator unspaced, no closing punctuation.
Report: 10:23
